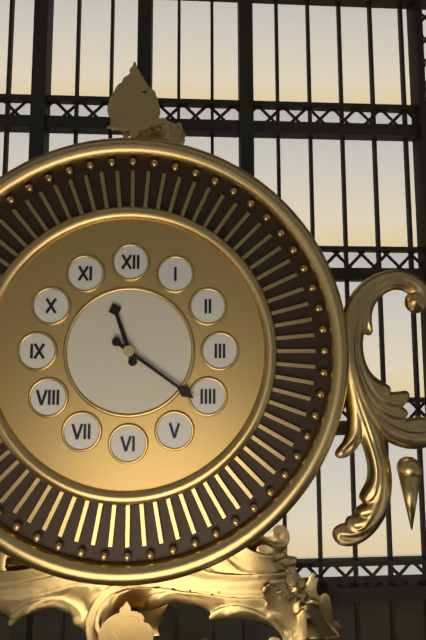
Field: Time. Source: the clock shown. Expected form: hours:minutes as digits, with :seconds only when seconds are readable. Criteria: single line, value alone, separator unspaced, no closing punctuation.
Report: 11:21
